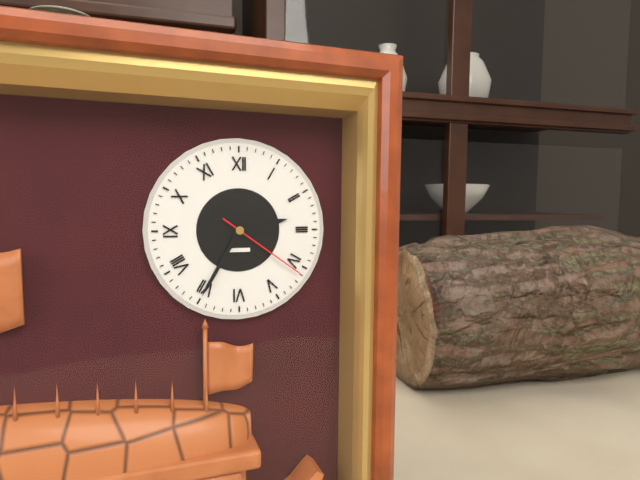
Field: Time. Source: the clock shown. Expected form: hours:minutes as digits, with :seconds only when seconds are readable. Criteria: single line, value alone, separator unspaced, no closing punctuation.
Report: 2:35:21
